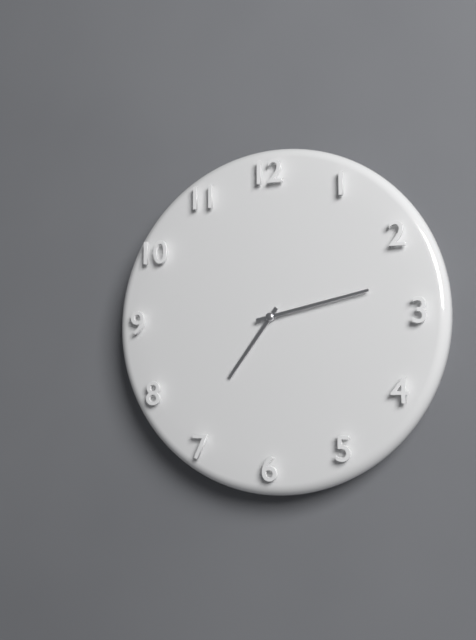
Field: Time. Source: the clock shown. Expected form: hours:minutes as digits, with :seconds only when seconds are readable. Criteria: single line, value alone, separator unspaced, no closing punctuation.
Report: 7:13
